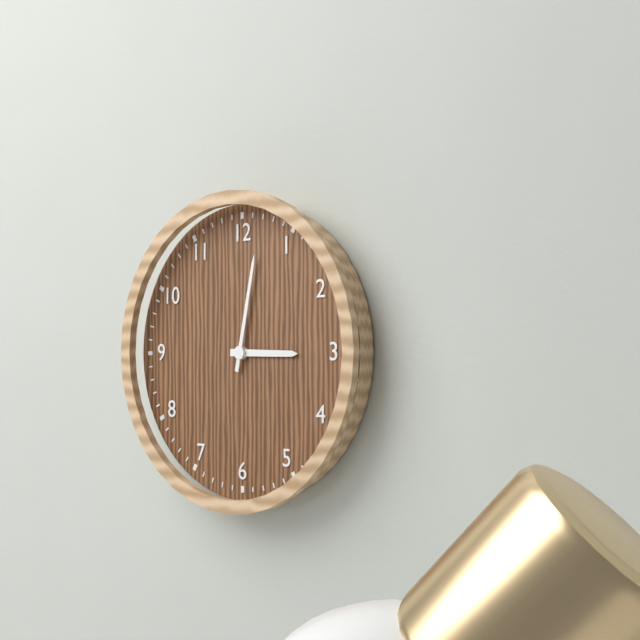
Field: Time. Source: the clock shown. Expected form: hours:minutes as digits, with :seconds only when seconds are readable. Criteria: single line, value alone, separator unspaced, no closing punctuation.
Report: 3:02
